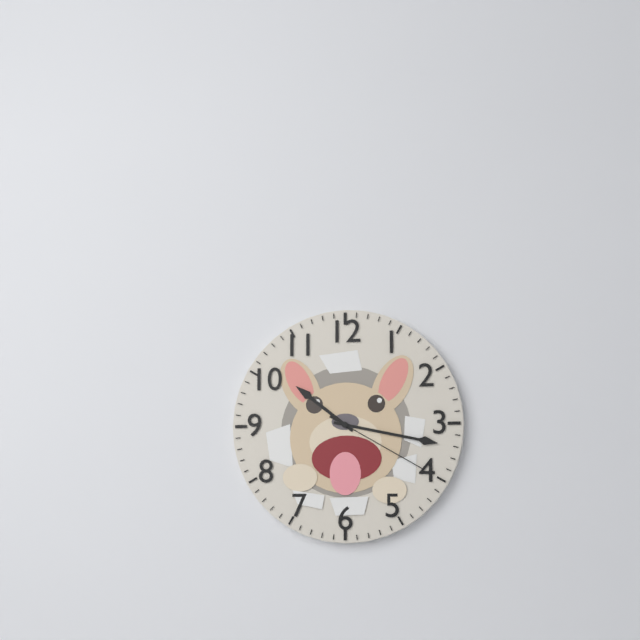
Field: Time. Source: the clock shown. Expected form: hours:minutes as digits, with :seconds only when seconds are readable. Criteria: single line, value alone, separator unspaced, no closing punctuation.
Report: 10:17:20
